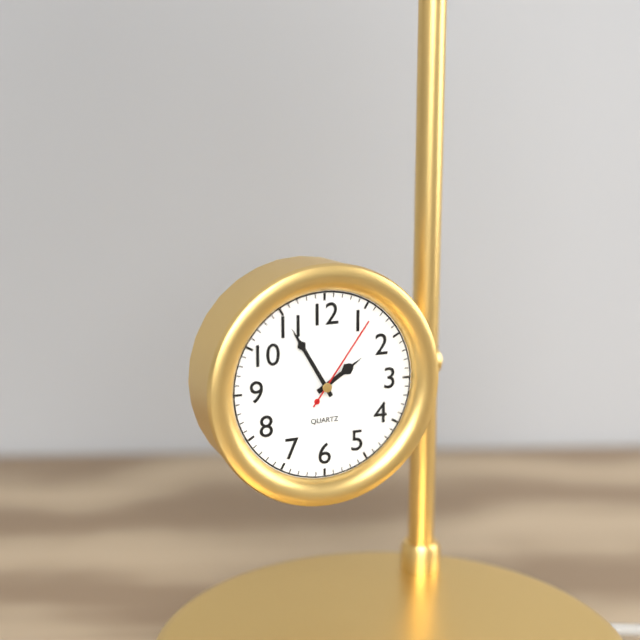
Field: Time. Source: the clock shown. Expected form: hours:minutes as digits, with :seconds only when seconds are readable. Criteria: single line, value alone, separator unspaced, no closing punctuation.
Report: 1:55:06
